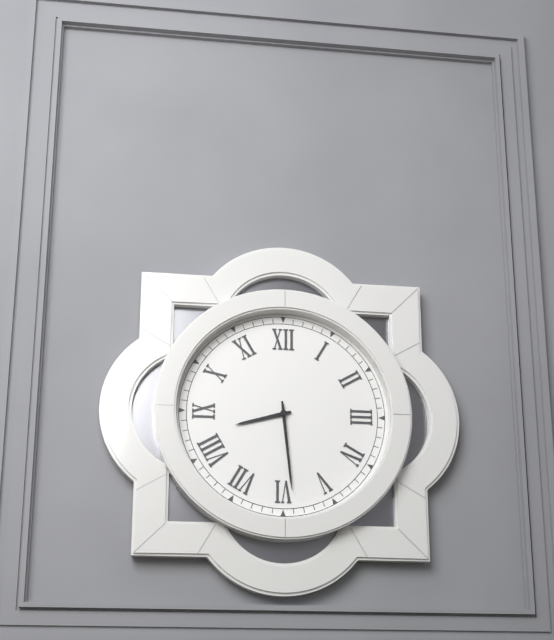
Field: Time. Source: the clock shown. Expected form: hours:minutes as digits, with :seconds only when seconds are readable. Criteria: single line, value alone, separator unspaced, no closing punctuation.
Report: 8:29
